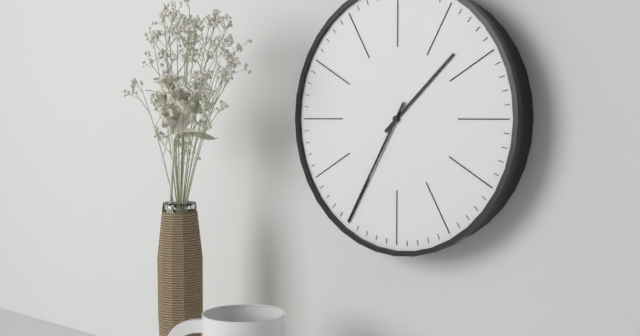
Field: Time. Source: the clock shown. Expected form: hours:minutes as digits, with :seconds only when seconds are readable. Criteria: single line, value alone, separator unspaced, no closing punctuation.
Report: 1:35
